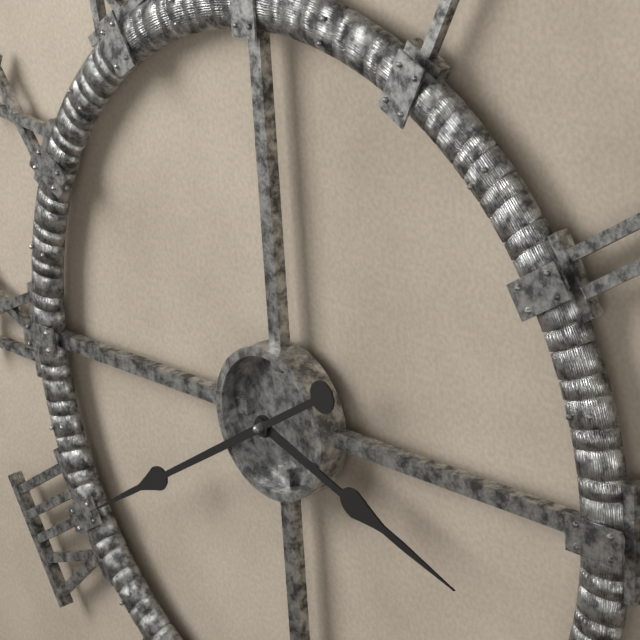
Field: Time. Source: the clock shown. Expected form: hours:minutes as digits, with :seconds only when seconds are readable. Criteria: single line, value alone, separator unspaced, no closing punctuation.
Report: 3:40
